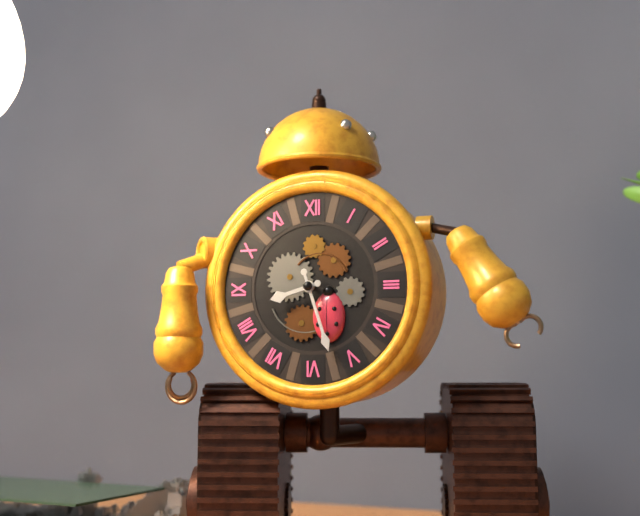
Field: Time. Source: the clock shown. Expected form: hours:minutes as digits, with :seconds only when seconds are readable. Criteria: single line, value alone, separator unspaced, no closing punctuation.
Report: 8:27
